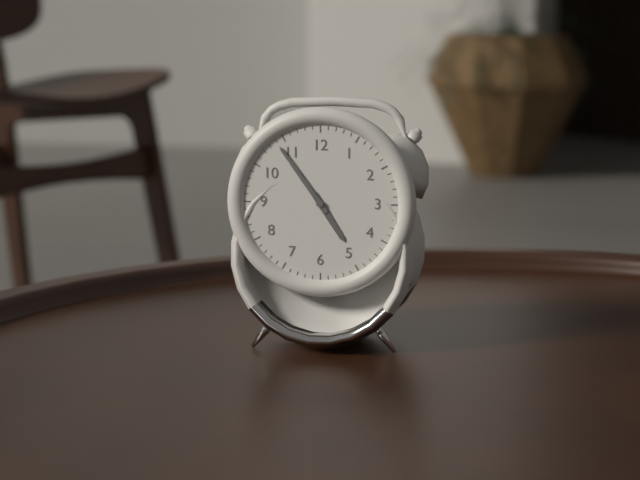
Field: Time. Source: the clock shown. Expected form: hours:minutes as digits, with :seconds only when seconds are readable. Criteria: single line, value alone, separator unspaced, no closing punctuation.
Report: 4:54
